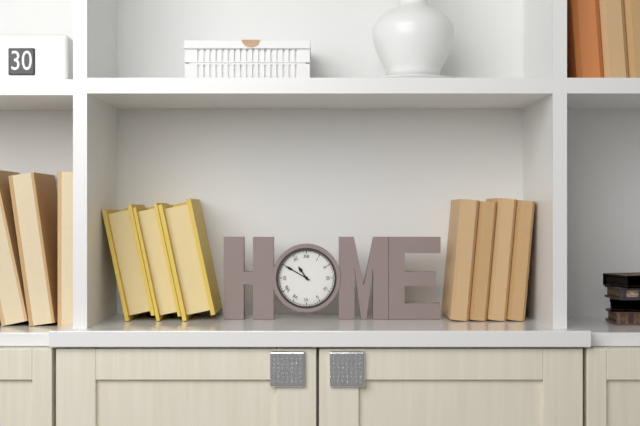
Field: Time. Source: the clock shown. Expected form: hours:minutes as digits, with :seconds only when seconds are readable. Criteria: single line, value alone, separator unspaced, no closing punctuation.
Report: 10:50
